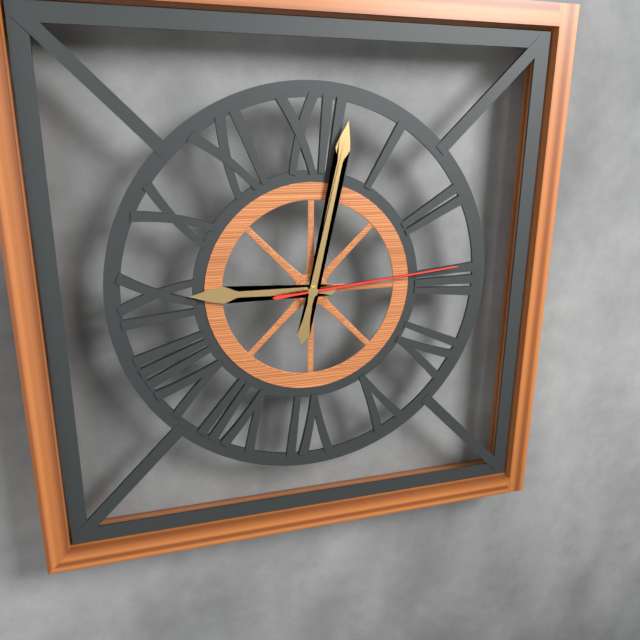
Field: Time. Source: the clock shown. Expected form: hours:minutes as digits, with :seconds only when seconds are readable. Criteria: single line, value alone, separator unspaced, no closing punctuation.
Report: 9:02:14
